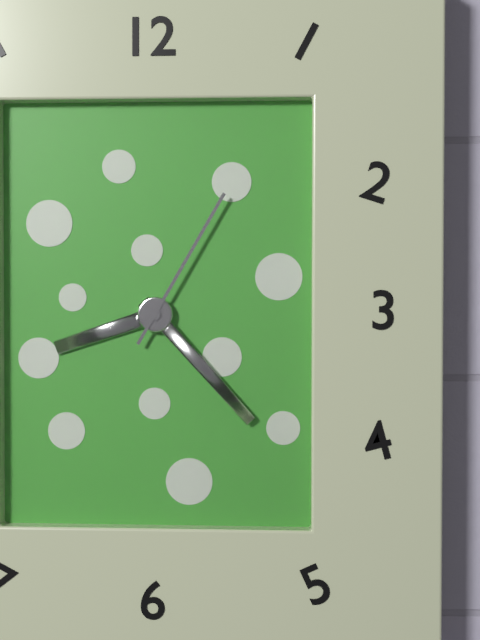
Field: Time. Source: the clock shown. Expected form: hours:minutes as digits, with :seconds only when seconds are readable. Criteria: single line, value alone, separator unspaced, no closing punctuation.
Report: 8:23:05
